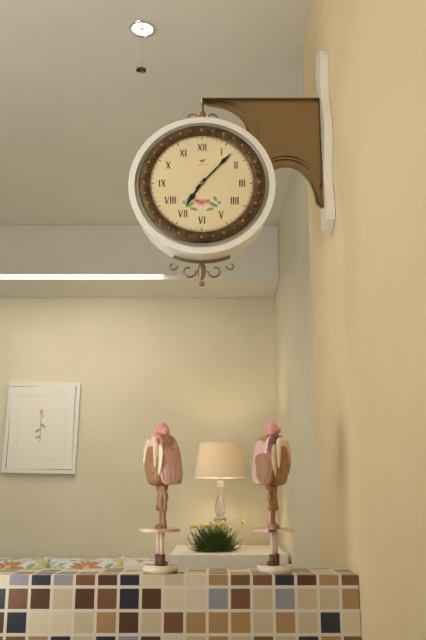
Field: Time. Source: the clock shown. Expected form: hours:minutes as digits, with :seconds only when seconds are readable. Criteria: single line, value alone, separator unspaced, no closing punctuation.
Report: 7:07
